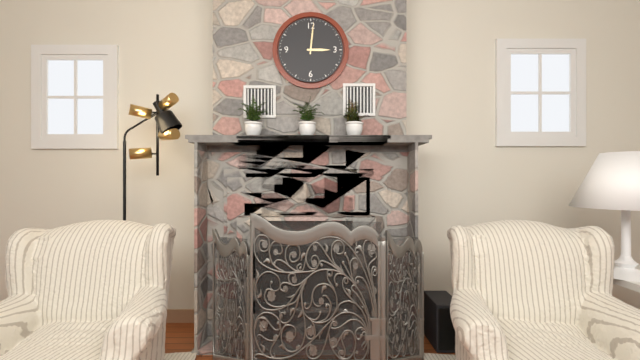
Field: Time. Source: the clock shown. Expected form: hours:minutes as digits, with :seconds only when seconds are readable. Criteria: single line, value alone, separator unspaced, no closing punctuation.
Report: 3:01
